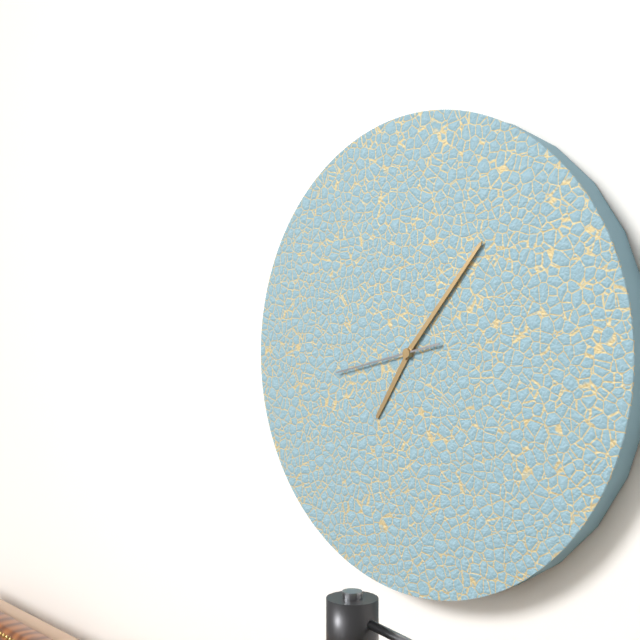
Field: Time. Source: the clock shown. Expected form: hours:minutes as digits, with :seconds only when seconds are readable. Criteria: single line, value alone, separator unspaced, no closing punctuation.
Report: 7:07:43
